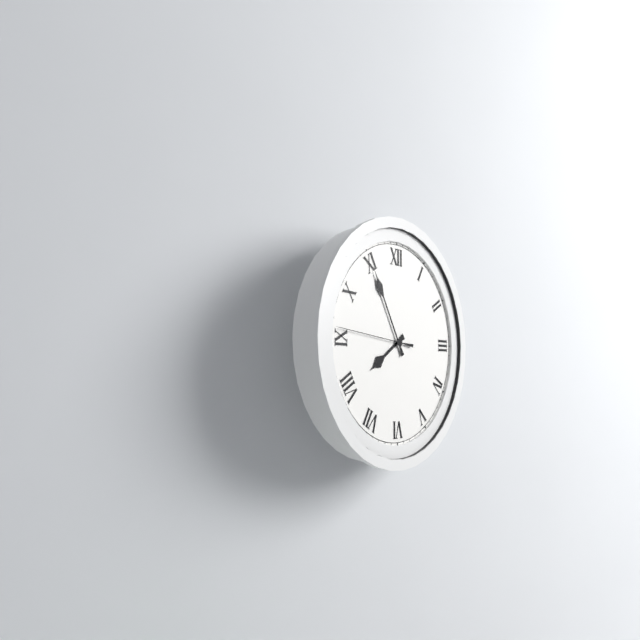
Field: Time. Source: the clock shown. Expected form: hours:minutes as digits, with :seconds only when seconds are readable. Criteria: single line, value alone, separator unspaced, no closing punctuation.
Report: 7:55:46
